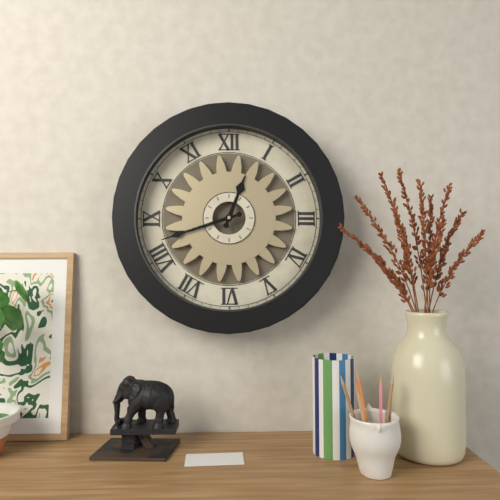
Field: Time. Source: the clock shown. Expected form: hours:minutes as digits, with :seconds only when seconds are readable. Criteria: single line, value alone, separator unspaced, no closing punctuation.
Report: 12:42
